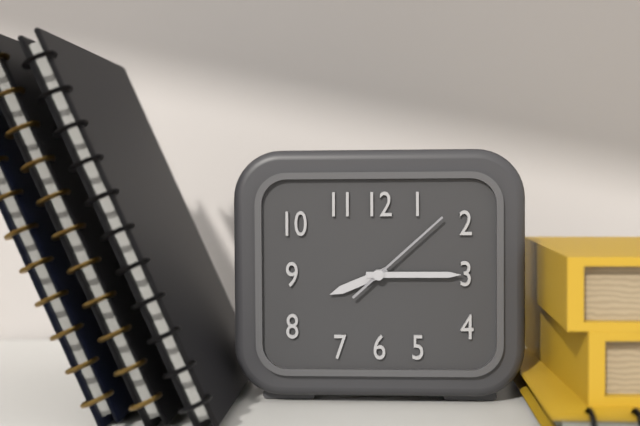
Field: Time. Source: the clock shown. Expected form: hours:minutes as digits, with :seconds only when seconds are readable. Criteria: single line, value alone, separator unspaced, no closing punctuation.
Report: 8:15:08
